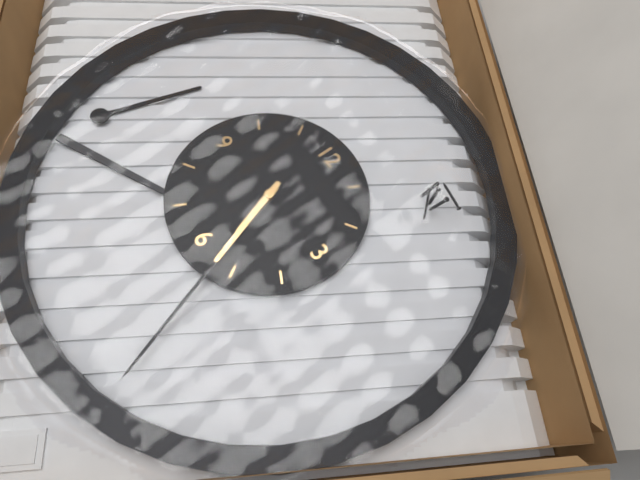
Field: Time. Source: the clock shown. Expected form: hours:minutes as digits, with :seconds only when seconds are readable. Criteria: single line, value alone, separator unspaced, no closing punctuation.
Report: 5:27
